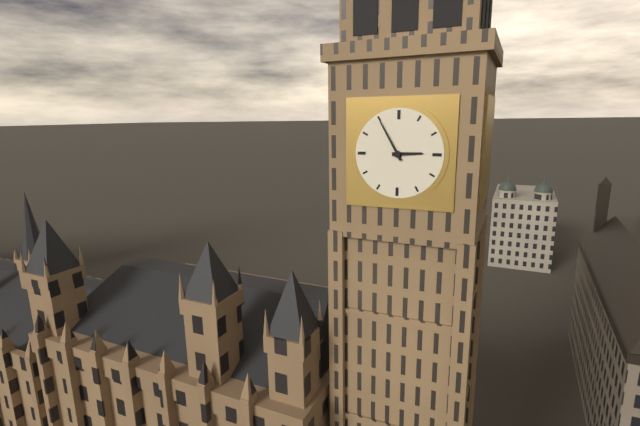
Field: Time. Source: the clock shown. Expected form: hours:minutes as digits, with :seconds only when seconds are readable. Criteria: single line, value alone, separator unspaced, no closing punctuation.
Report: 2:55
